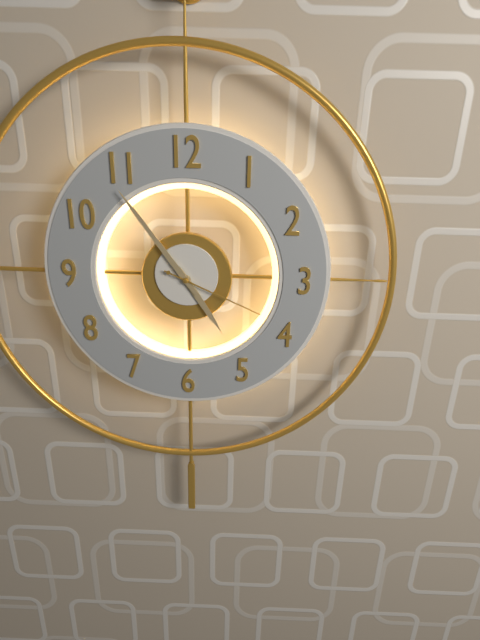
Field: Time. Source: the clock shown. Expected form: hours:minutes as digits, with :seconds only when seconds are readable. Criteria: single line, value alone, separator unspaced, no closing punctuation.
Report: 4:54:19
